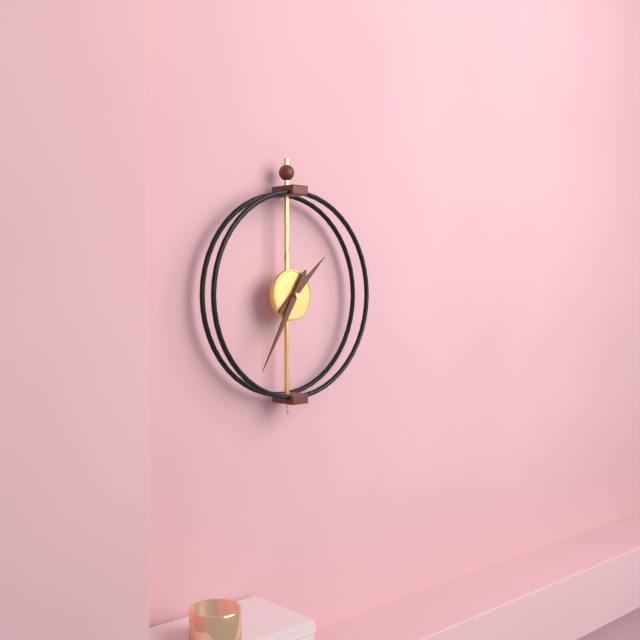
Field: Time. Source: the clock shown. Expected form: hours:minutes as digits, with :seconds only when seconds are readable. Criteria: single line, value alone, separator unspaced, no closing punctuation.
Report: 1:35
